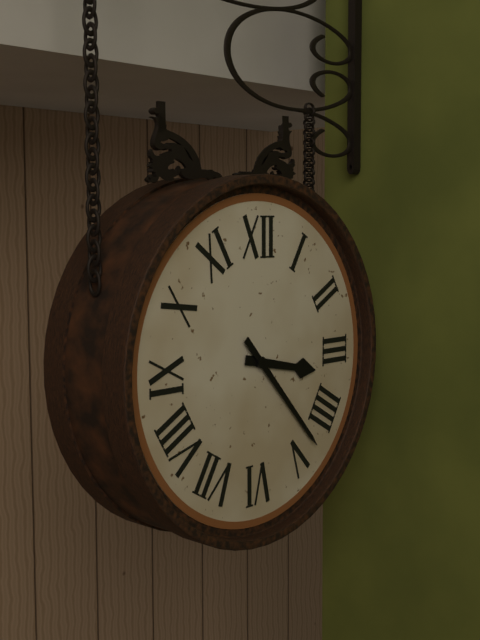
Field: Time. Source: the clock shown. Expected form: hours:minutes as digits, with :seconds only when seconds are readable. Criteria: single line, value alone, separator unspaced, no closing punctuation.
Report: 3:23
